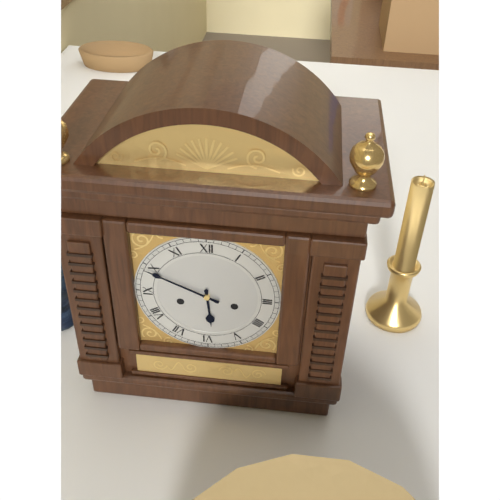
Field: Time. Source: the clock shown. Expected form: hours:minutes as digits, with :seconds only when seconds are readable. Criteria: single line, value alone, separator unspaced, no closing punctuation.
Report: 5:49
